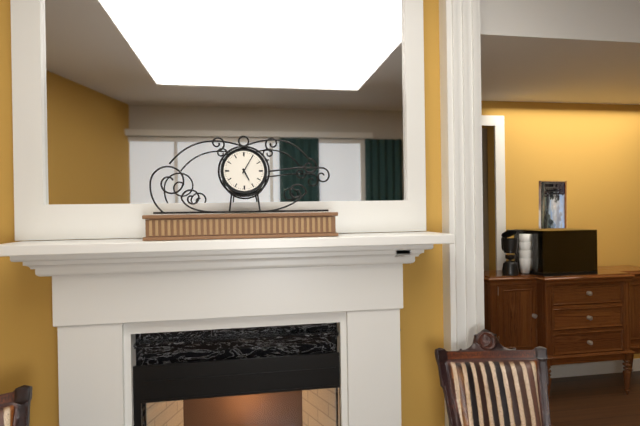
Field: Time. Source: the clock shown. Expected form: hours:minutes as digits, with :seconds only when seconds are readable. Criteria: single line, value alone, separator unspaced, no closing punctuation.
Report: 5:05
